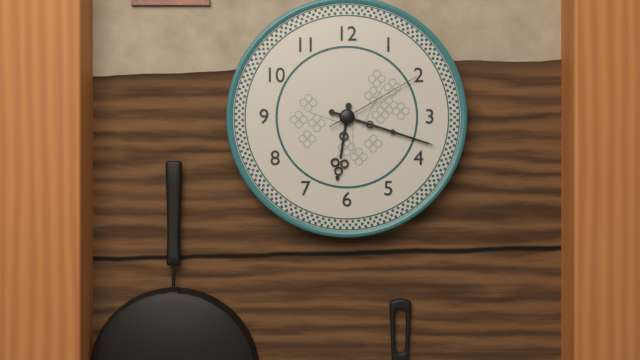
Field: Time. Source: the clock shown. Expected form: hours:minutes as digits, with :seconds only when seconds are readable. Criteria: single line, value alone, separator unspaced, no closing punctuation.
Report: 6:18:10
